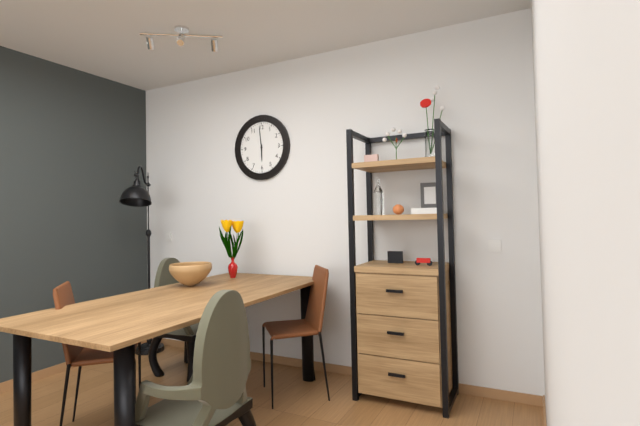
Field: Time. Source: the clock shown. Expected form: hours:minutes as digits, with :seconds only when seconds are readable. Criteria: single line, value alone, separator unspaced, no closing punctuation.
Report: 5:59
